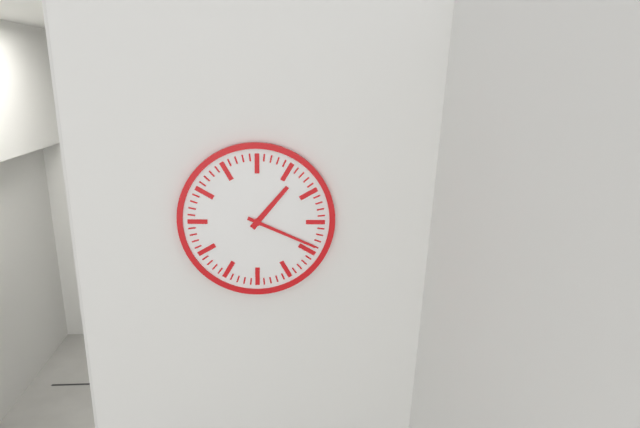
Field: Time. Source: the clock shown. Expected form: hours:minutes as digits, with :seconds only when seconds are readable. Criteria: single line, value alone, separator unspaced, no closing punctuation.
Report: 1:19
